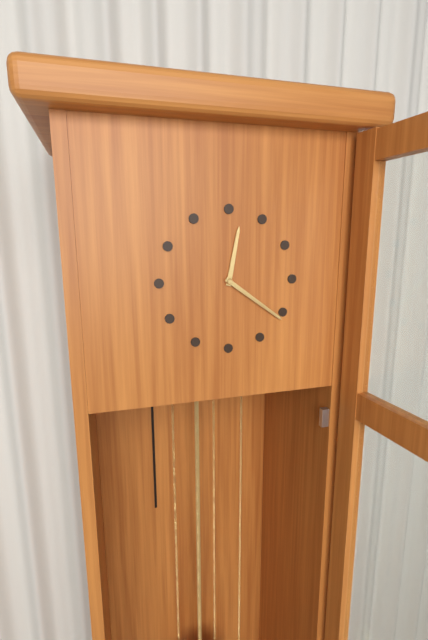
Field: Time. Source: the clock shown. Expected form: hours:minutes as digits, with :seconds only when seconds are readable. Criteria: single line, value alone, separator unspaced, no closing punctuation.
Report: 12:21
